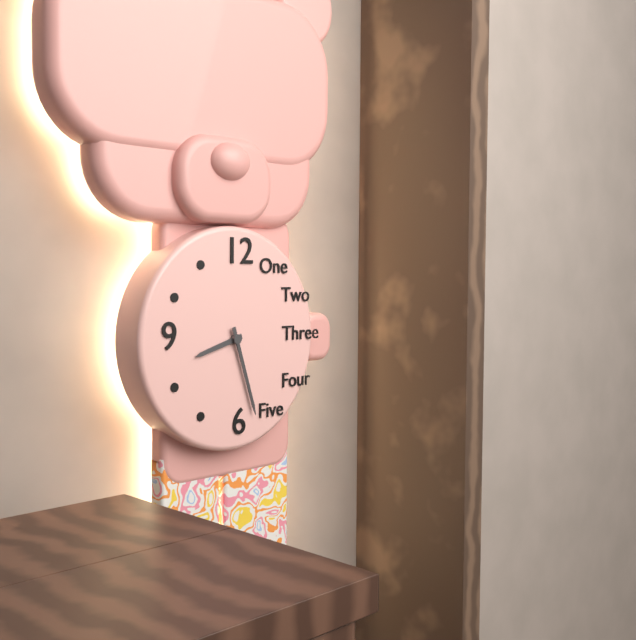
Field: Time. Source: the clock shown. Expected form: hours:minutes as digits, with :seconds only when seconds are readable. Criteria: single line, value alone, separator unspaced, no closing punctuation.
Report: 8:27
